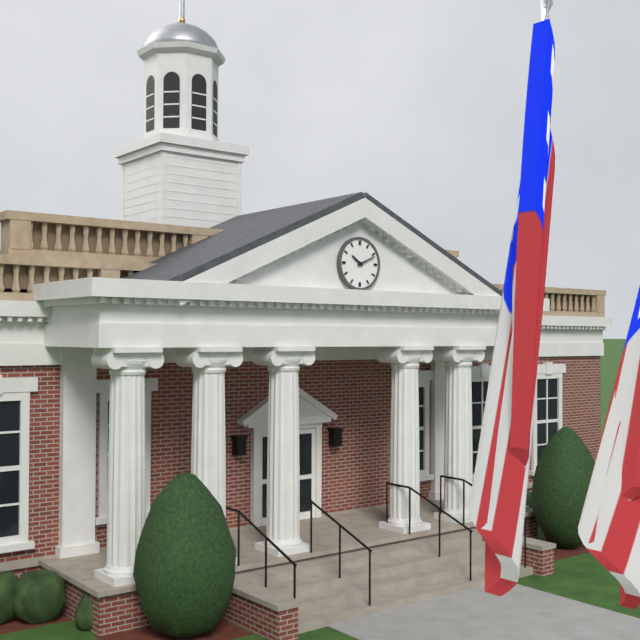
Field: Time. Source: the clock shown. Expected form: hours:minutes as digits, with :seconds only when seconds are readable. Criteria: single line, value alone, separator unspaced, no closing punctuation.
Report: 10:11
